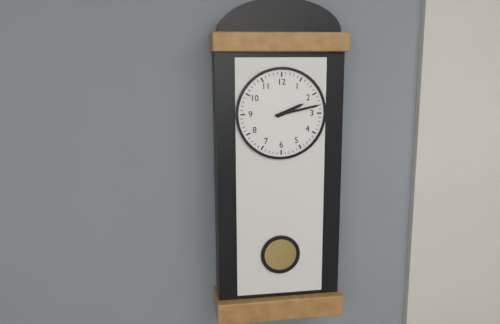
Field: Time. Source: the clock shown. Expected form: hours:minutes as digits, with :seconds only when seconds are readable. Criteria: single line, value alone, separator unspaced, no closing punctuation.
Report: 2:13
